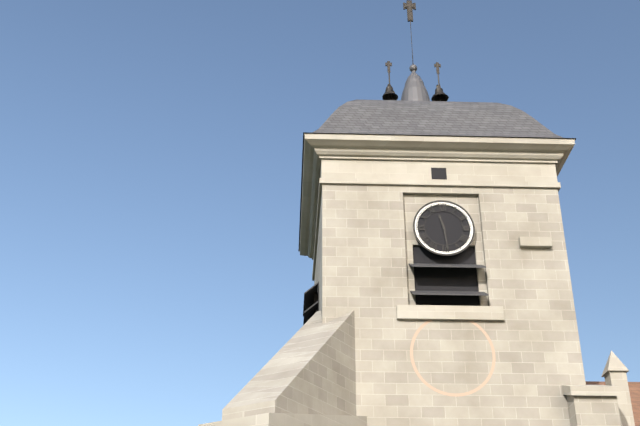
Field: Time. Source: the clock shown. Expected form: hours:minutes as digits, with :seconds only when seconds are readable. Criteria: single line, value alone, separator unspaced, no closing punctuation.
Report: 11:29
